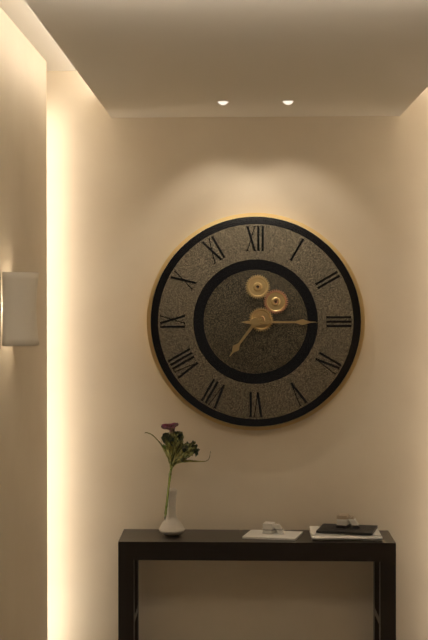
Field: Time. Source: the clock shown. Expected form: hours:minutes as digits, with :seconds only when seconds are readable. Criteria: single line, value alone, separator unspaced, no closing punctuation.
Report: 7:15
